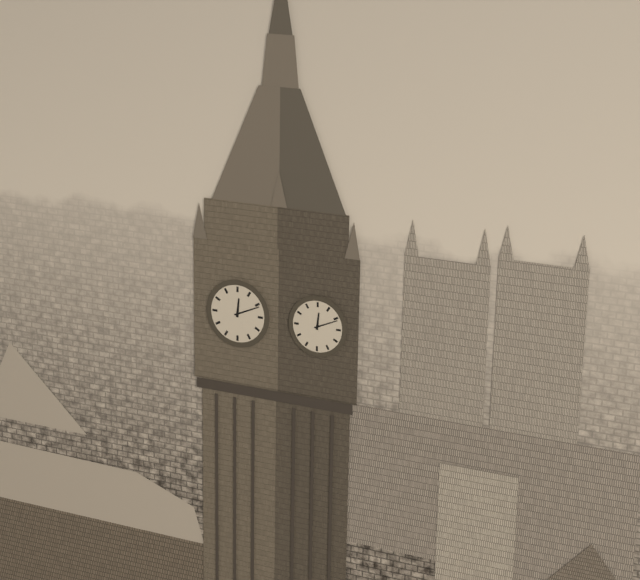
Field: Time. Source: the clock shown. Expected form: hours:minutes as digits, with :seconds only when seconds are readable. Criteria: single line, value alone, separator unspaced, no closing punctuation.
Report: 12:11
